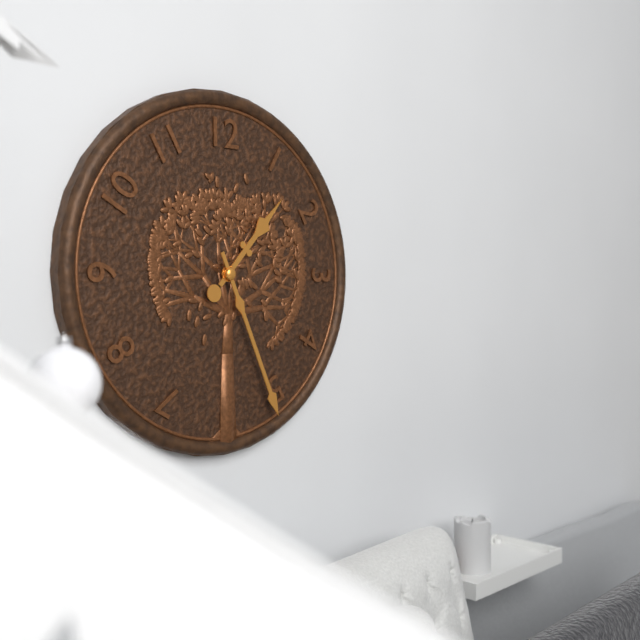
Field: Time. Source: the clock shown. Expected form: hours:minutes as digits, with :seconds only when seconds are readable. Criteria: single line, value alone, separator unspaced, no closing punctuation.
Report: 1:26
